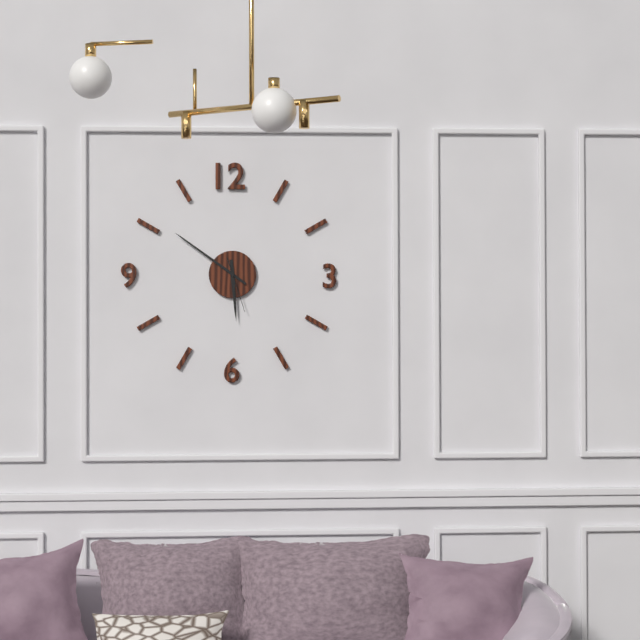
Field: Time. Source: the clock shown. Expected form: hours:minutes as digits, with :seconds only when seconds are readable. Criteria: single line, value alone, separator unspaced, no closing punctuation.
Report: 5:51
